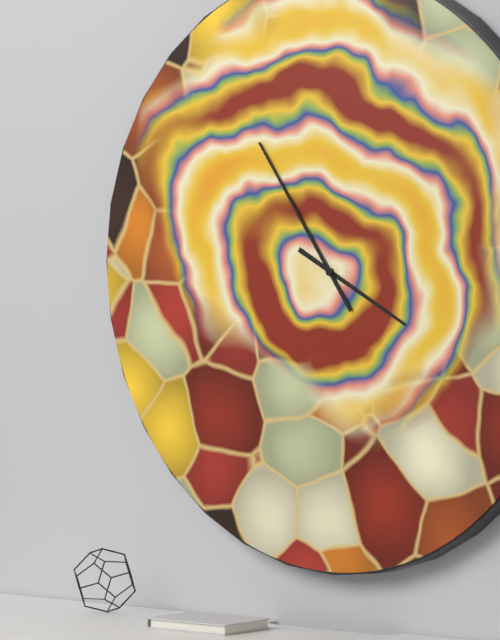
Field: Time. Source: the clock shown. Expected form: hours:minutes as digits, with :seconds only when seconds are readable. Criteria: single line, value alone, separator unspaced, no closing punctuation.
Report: 3:54
